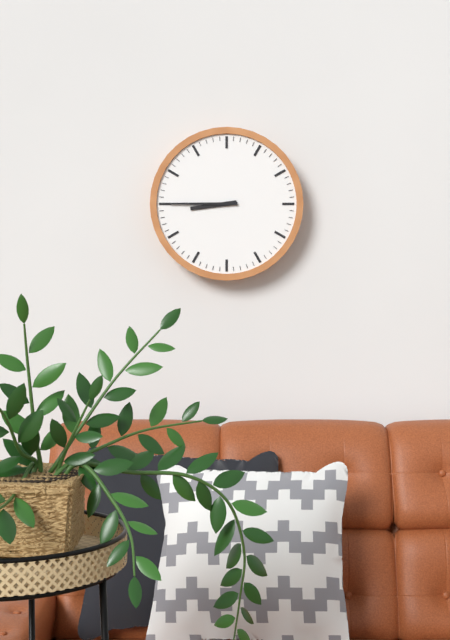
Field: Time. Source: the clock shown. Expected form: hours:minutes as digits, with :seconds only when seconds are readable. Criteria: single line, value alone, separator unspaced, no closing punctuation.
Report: 8:45
